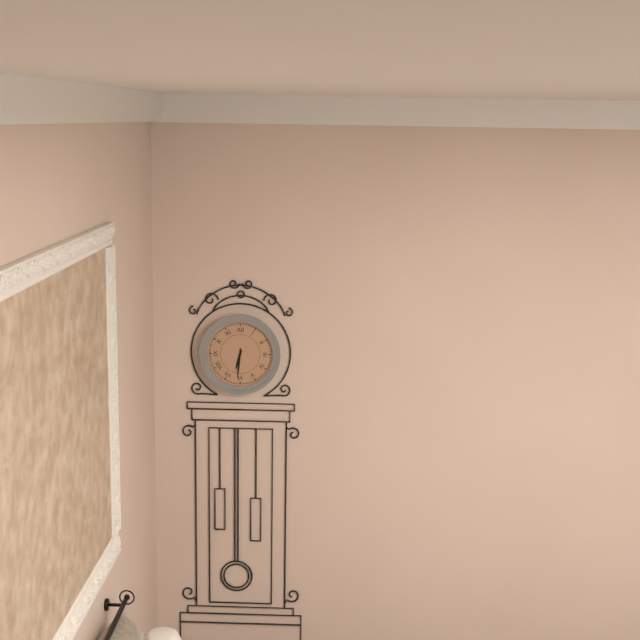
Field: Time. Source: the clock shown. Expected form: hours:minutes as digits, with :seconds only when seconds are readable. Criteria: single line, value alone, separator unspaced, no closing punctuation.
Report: 6:31
